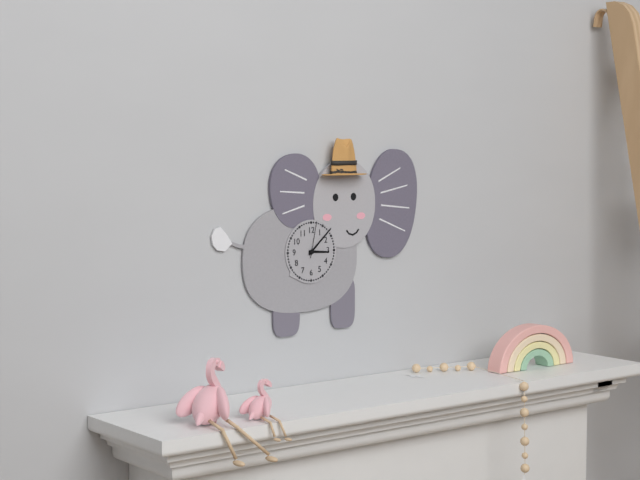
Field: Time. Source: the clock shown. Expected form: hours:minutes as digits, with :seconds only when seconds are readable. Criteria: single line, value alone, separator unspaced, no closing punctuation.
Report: 3:08
